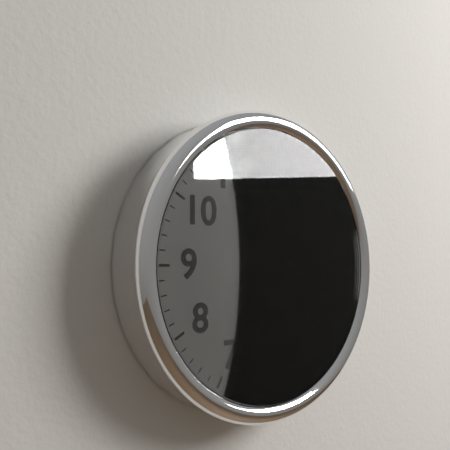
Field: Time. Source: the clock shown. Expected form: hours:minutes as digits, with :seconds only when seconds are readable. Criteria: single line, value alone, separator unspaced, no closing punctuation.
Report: 10:59
